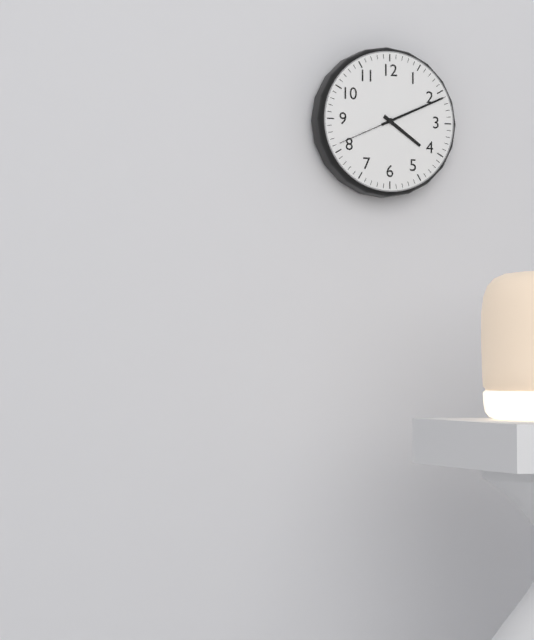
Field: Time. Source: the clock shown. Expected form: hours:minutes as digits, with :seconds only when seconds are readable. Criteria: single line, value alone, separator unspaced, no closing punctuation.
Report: 4:11:41
